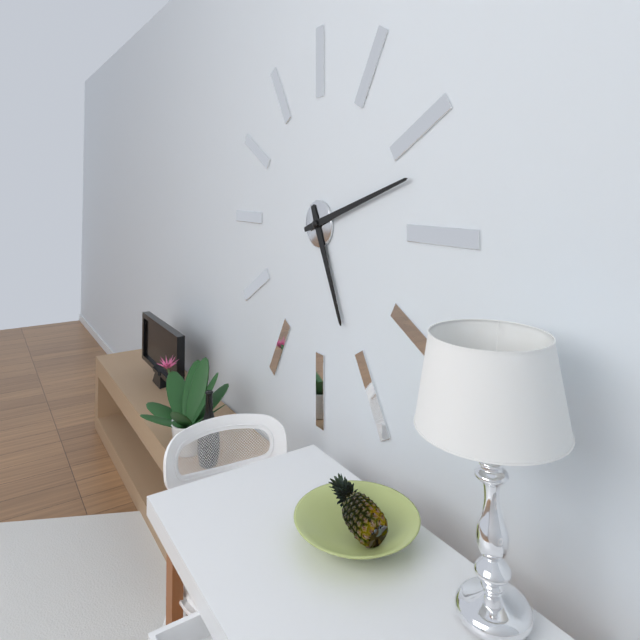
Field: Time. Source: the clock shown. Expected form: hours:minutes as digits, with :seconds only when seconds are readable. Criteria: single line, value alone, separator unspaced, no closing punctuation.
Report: 5:12
